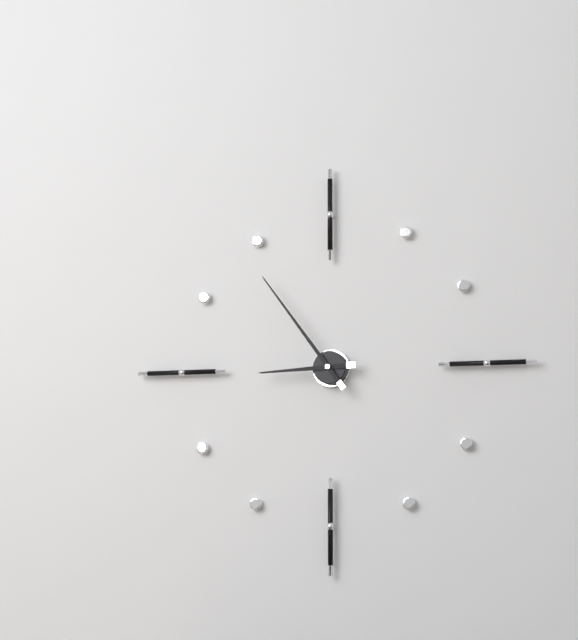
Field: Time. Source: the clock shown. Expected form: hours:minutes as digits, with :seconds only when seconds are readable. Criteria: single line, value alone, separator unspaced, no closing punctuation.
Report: 8:54
